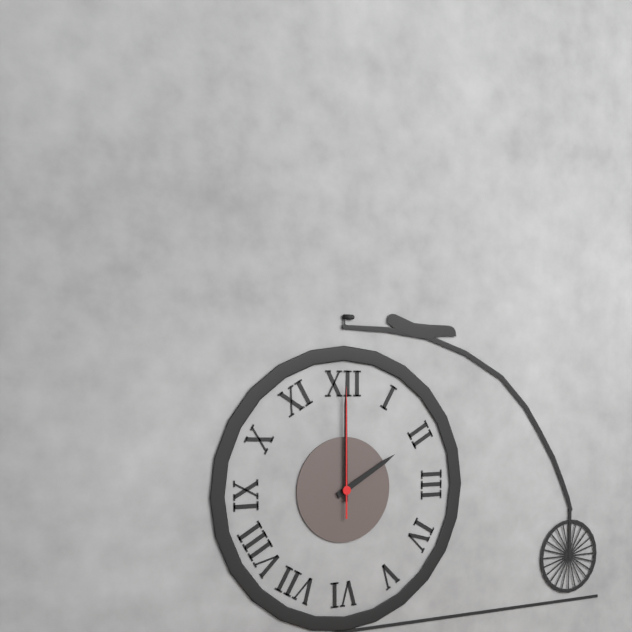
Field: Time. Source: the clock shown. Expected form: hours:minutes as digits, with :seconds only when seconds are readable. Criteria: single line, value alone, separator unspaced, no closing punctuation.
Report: 2:00:00
